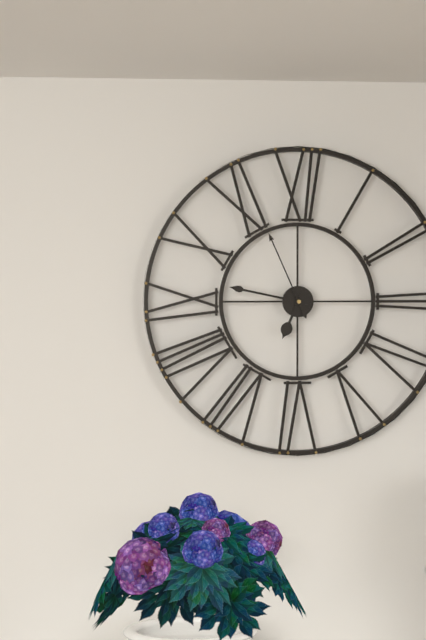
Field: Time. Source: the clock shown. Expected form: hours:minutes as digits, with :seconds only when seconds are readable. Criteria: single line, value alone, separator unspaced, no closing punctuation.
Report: 6:47:56
